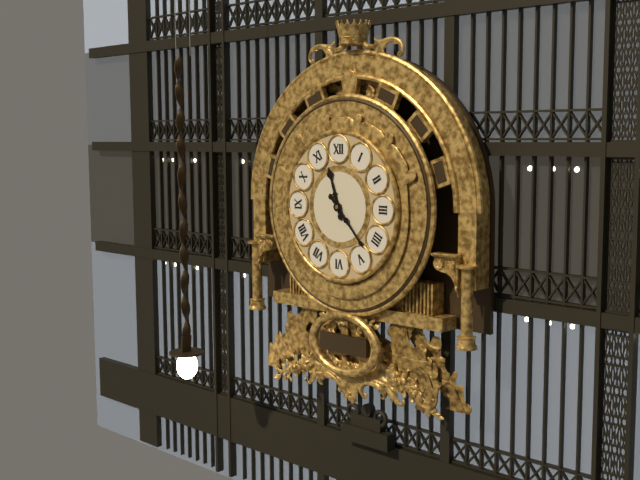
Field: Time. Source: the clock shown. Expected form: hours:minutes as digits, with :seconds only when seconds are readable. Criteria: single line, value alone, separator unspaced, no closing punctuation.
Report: 11:23
